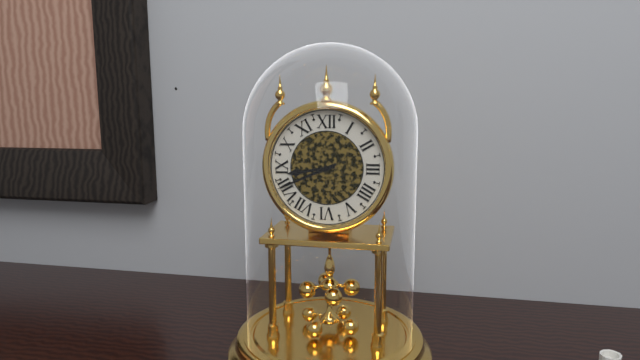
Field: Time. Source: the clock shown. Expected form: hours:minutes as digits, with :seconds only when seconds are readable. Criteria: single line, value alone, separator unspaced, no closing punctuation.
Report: 8:41
